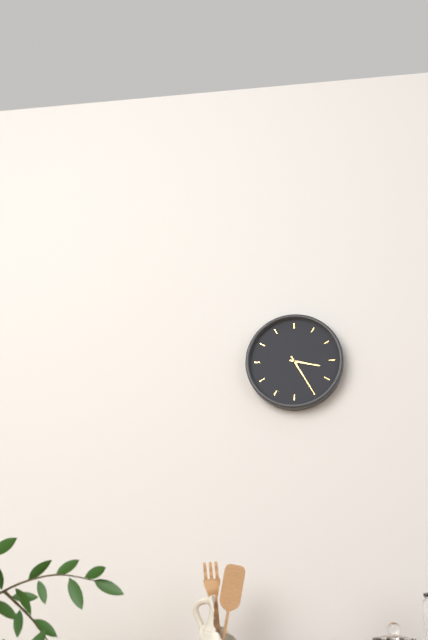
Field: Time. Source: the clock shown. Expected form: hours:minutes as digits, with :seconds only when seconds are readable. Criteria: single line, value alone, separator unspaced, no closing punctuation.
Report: 3:25
